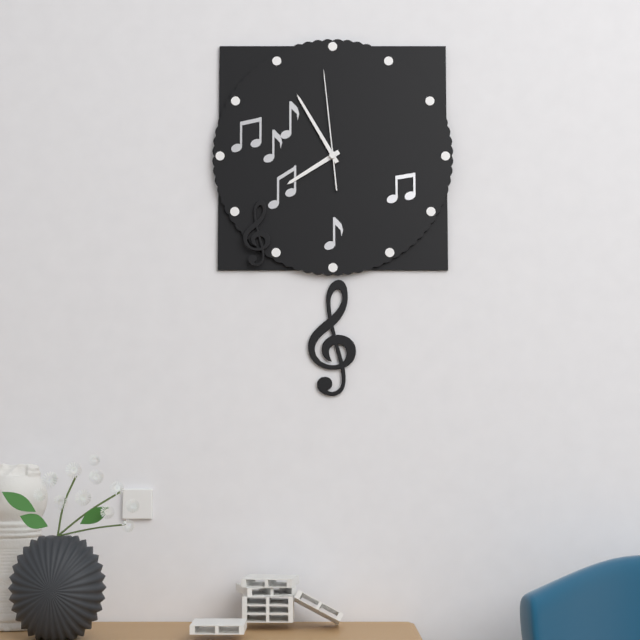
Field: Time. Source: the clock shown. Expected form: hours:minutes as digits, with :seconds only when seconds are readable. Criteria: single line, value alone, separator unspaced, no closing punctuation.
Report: 7:55:59
